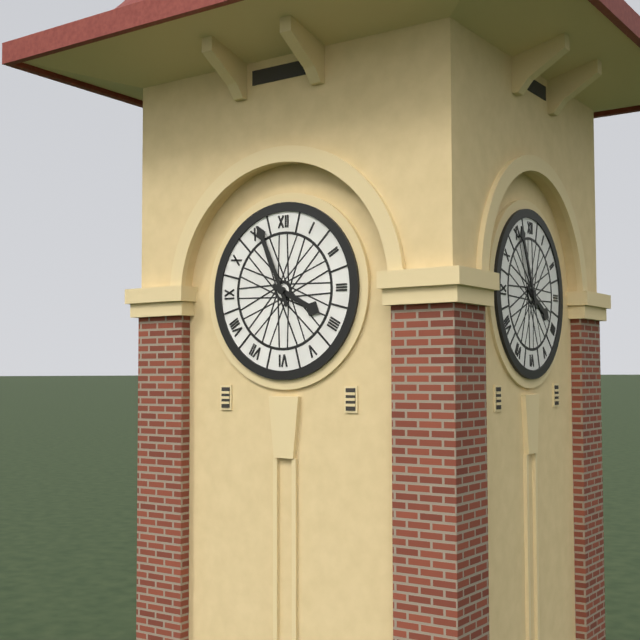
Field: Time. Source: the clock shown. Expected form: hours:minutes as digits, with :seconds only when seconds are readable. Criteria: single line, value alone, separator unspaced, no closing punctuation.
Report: 3:56
